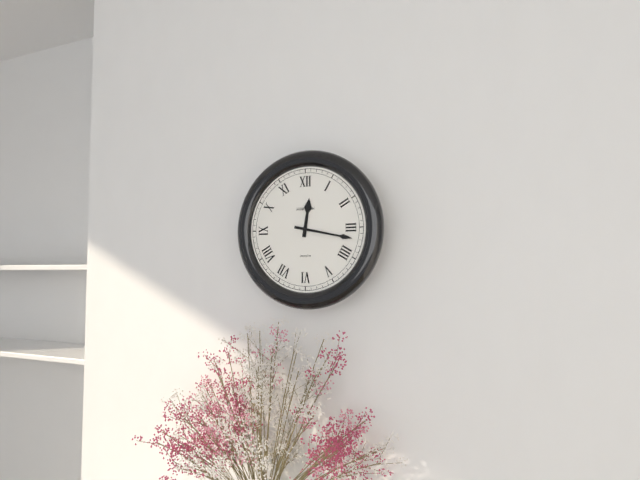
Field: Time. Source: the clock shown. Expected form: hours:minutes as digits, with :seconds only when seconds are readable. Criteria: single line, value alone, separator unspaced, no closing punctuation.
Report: 12:17
